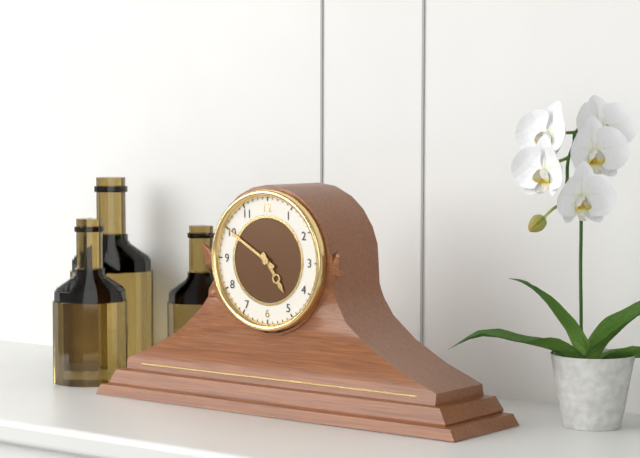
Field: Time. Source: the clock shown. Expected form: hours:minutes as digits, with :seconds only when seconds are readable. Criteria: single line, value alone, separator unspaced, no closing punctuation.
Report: 4:50
